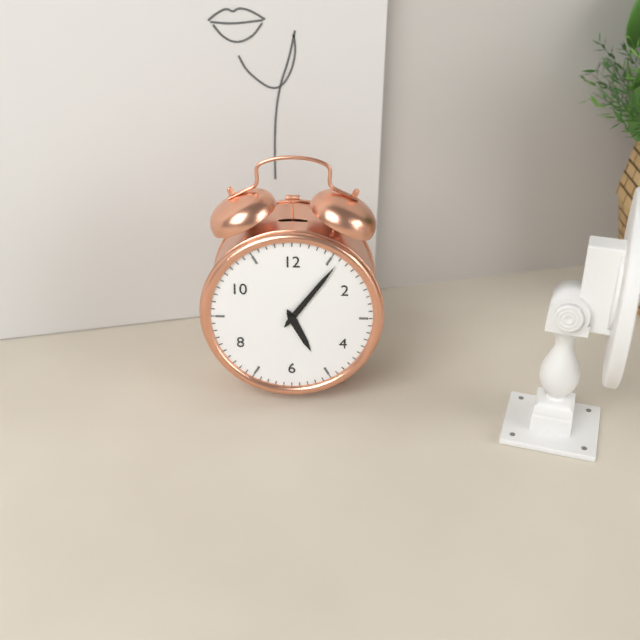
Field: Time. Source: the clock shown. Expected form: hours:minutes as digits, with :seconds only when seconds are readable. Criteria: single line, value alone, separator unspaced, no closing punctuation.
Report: 5:06
